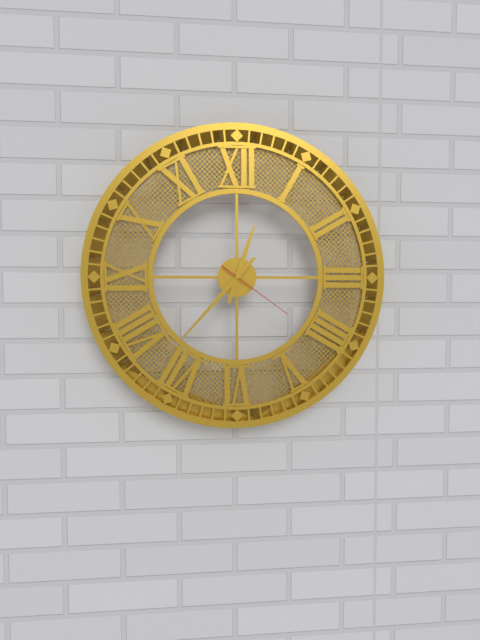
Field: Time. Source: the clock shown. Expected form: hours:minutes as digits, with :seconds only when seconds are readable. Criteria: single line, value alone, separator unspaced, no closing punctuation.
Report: 12:37:21
